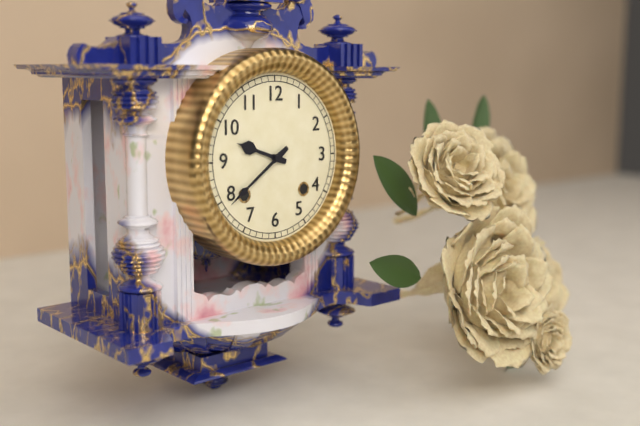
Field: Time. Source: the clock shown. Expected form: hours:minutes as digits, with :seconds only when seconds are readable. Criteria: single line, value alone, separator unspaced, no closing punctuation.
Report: 9:39
